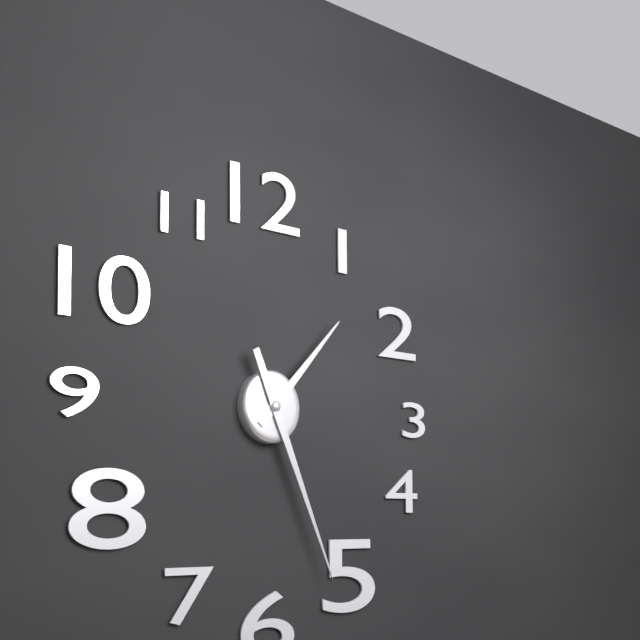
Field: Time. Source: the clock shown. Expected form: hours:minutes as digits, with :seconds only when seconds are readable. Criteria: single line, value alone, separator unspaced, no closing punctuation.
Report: 1:26
